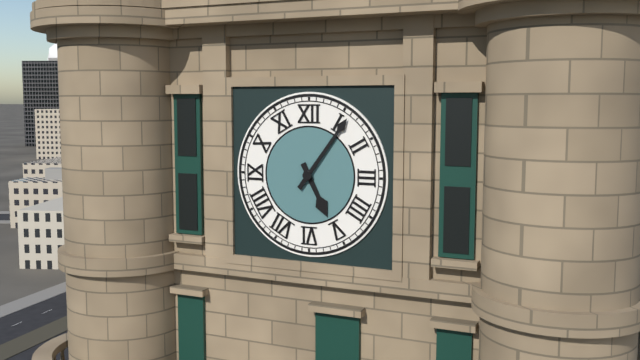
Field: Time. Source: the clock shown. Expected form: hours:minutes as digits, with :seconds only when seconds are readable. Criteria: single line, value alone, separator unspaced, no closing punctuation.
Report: 5:06
